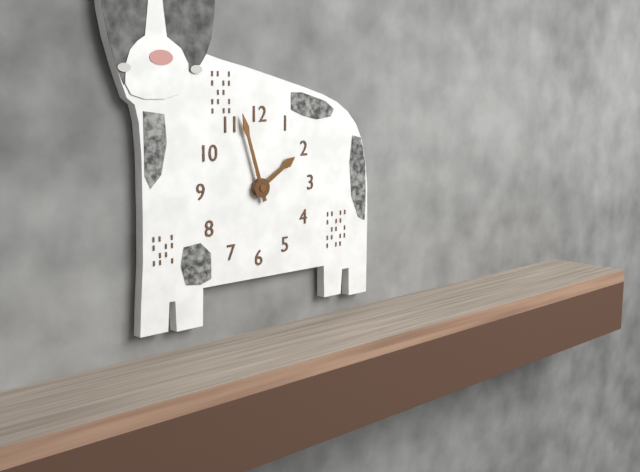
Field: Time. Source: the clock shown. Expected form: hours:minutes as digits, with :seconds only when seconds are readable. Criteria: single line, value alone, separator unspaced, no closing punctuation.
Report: 1:57
